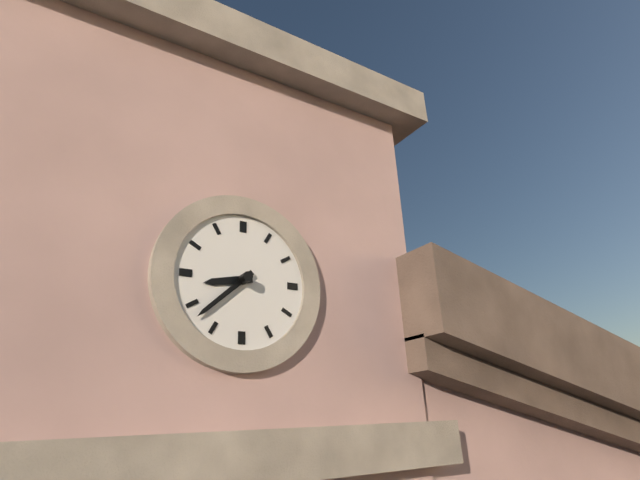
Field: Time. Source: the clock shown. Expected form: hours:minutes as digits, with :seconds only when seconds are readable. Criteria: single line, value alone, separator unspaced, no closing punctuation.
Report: 8:38
